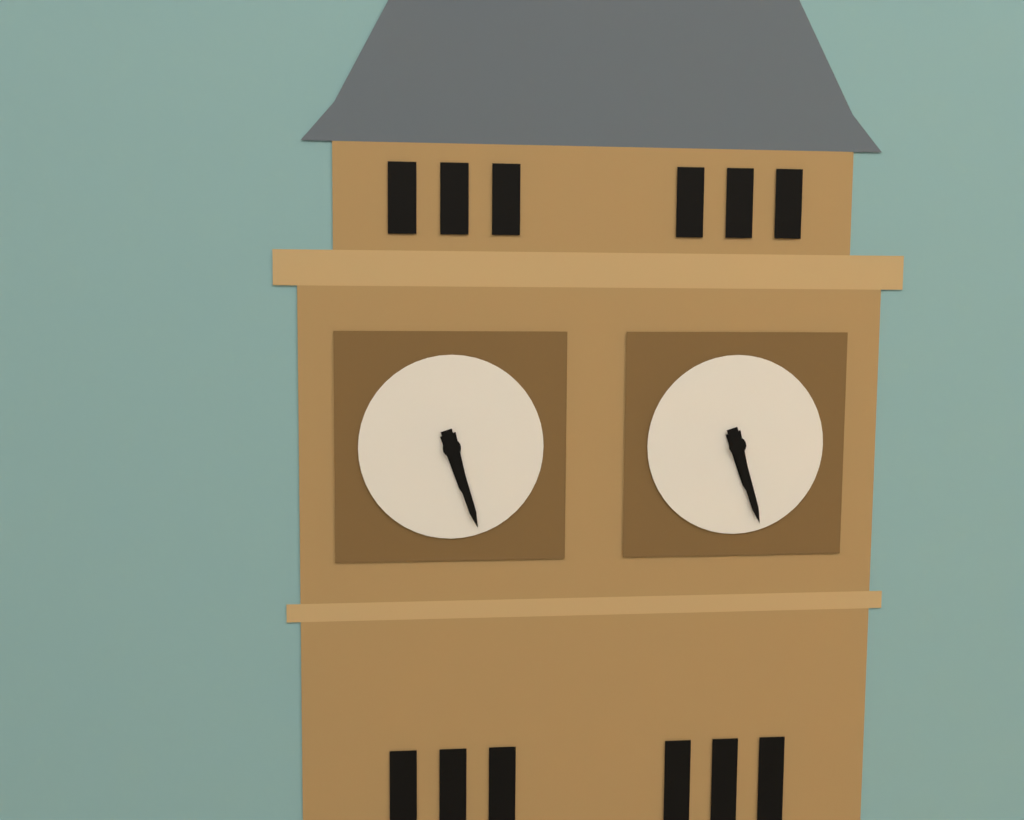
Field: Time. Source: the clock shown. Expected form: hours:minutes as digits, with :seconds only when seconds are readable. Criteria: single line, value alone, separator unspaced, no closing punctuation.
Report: 5:27
